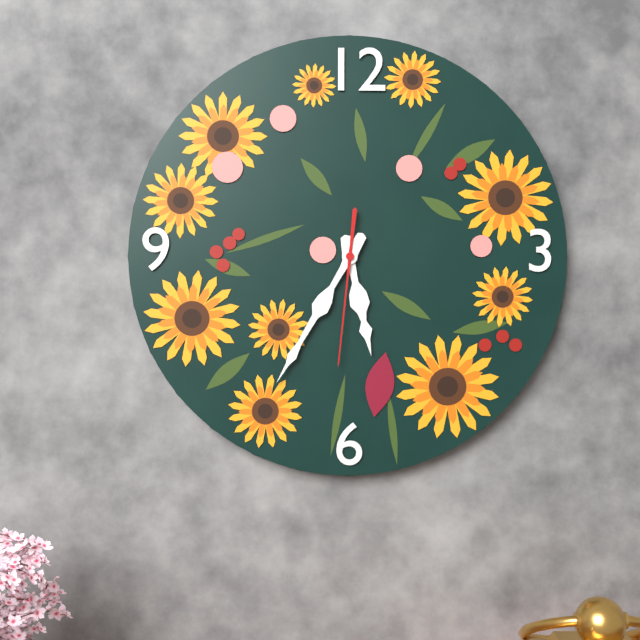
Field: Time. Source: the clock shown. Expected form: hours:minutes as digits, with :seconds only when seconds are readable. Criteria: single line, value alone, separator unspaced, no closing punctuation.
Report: 5:35:31
